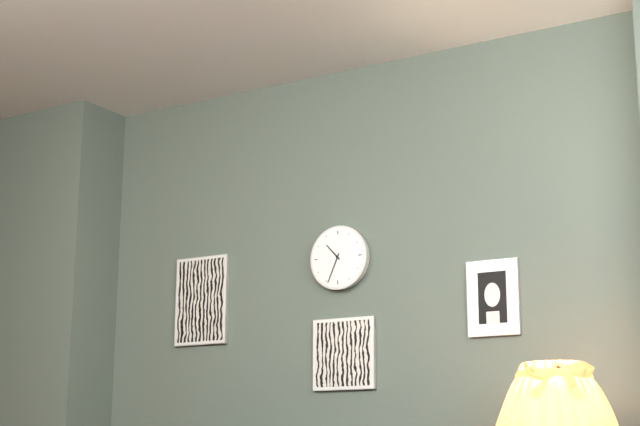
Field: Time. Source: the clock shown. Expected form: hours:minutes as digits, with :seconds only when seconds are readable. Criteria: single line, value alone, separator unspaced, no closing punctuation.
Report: 10:34
